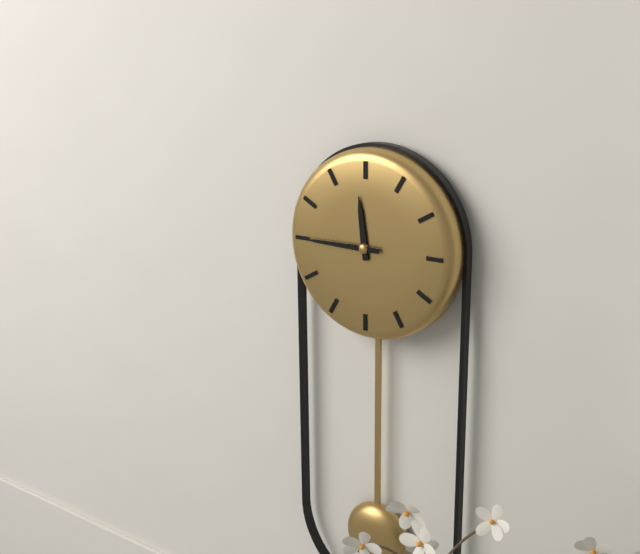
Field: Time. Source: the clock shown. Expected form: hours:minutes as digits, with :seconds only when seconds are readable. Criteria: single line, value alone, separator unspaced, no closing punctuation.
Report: 11:45
